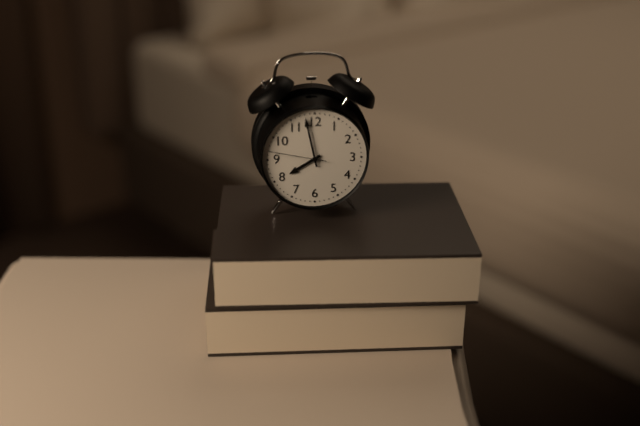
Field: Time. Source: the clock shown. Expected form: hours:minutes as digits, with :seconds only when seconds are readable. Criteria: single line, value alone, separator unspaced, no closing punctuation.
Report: 7:58:47
